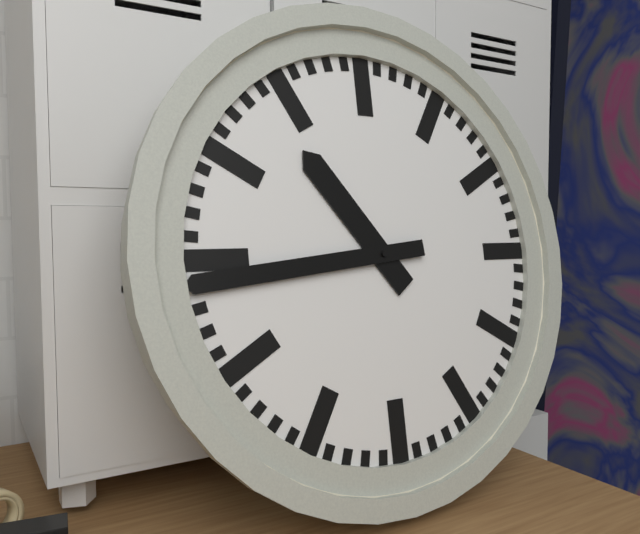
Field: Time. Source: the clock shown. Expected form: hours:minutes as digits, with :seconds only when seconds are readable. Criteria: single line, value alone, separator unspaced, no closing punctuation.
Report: 10:44
